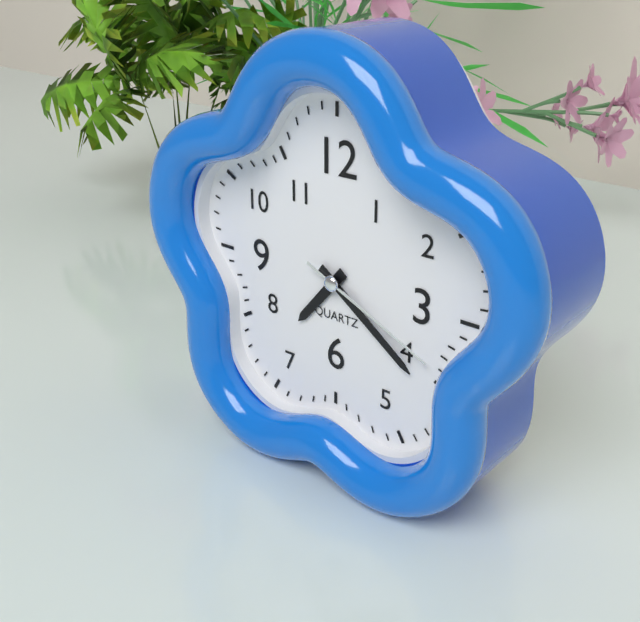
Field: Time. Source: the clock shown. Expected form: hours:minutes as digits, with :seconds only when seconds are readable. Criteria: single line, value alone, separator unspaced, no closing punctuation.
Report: 7:21:19
